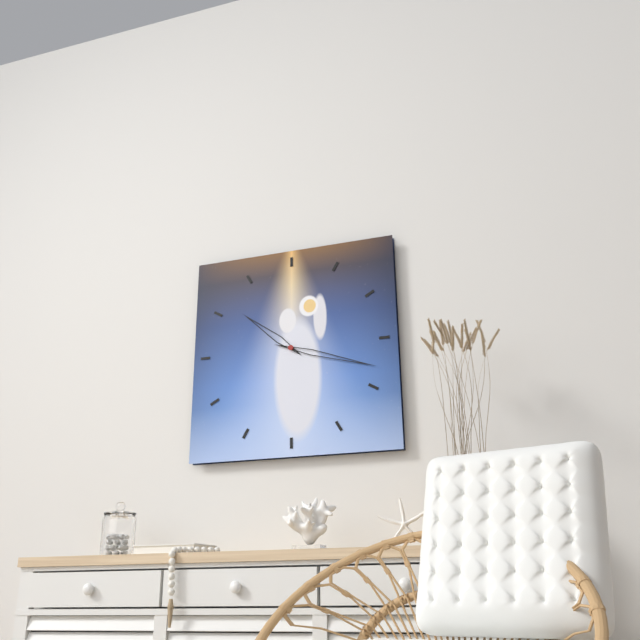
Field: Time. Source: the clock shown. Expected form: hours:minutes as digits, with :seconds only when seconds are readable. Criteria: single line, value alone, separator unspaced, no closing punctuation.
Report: 10:18
